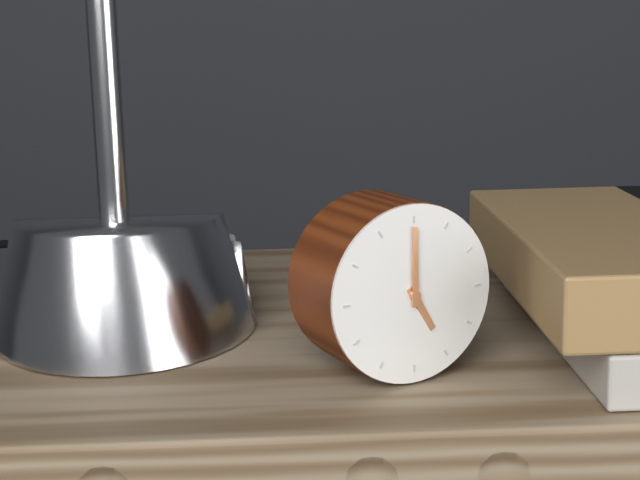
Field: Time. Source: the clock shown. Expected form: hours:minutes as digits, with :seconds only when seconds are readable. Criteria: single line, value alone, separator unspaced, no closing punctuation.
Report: 5:00
